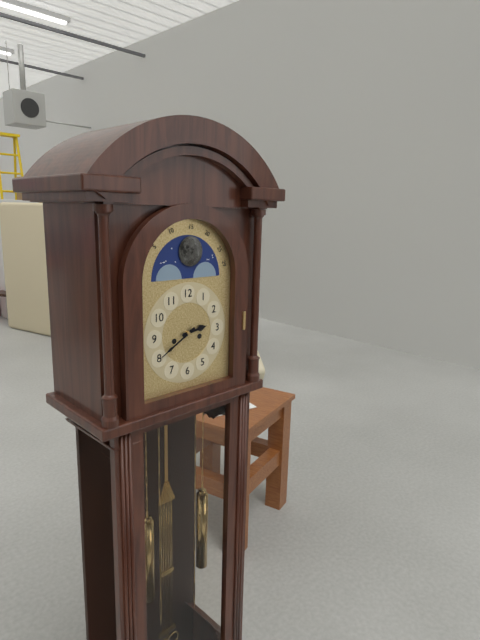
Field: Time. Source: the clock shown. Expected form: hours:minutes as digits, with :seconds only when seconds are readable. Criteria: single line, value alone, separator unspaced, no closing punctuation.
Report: 2:40
